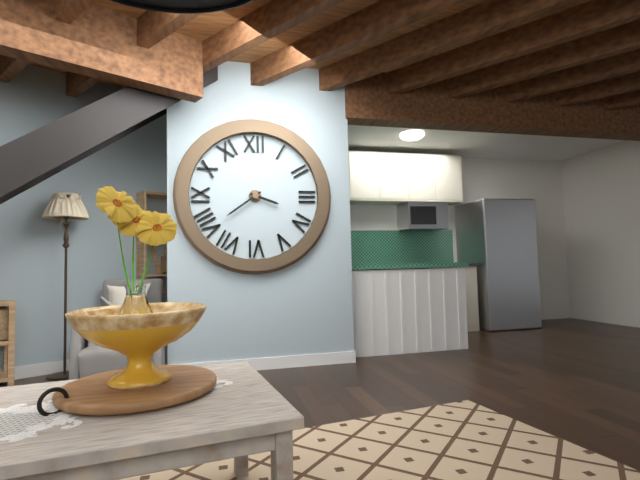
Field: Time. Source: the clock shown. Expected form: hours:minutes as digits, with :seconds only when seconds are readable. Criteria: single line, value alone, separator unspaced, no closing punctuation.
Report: 3:39
